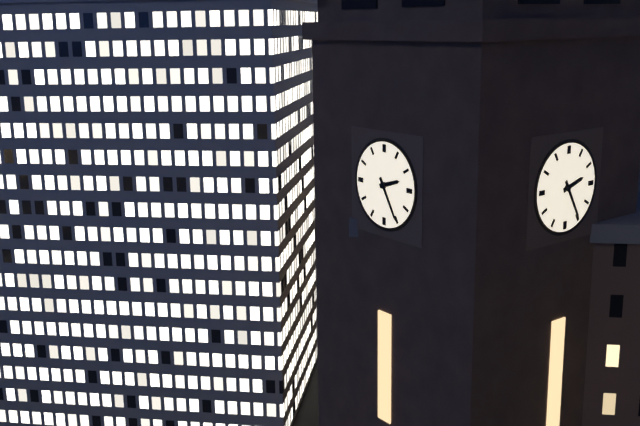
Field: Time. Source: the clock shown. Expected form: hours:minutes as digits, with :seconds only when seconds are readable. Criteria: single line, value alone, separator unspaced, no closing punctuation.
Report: 2:25
